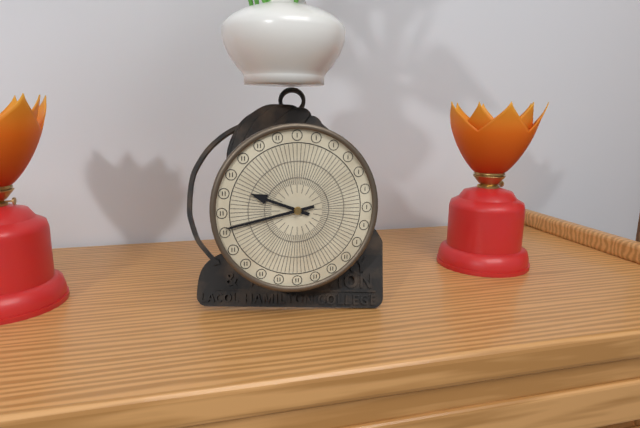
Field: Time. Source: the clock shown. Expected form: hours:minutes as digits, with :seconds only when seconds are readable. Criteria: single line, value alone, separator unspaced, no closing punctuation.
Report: 9:43
